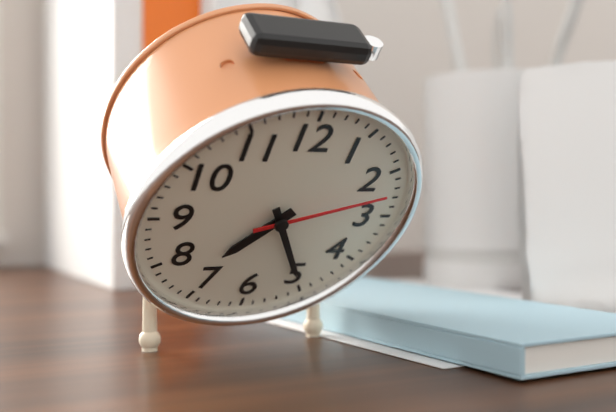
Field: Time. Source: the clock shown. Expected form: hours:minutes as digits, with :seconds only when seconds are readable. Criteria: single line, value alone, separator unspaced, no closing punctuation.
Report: 7:25:12
